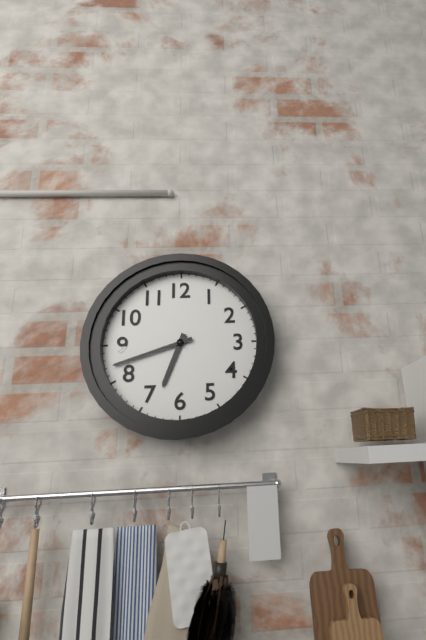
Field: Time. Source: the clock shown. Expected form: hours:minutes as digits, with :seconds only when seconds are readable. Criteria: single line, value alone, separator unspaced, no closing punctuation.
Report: 6:42
